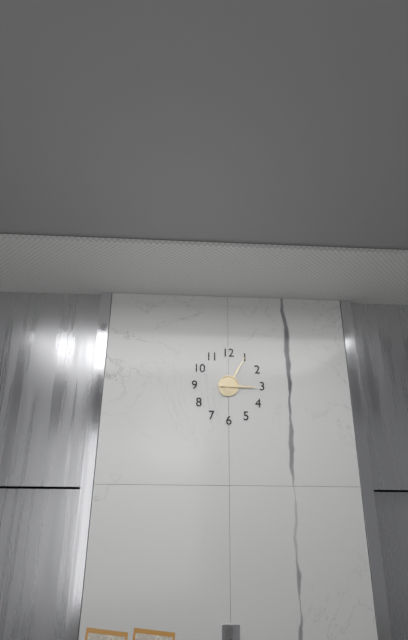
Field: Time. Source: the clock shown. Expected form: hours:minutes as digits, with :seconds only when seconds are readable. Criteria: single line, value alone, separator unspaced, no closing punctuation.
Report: 3:05
